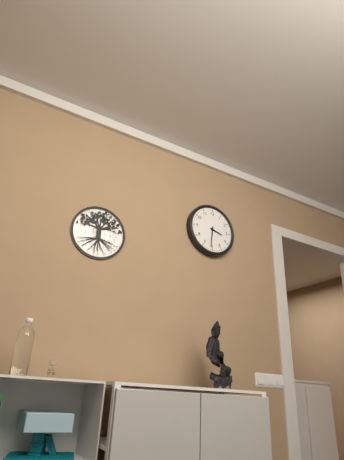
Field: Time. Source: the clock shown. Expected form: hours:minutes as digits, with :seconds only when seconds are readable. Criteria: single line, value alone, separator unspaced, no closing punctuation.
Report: 3:31
